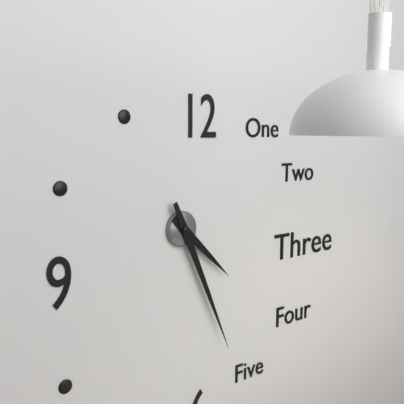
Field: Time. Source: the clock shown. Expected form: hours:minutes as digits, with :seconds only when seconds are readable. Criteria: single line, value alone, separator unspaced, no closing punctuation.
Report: 4:26
